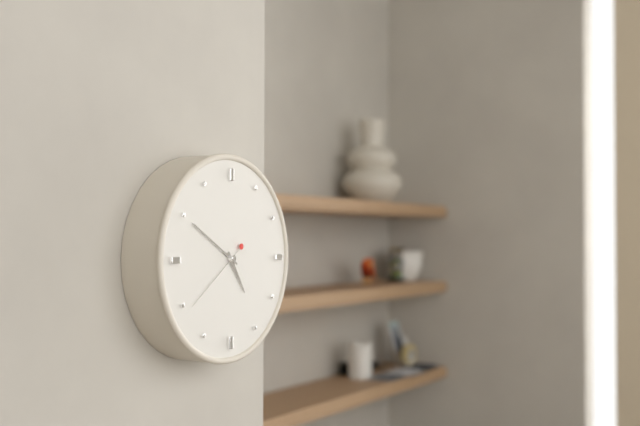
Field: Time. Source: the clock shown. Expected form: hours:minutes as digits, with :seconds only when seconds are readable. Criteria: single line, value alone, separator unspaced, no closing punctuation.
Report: 4:50:39
